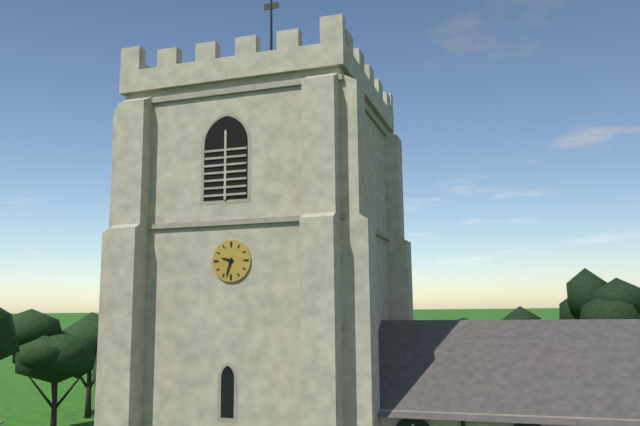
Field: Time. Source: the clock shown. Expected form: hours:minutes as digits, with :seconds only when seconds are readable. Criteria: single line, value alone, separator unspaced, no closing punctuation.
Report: 9:33
